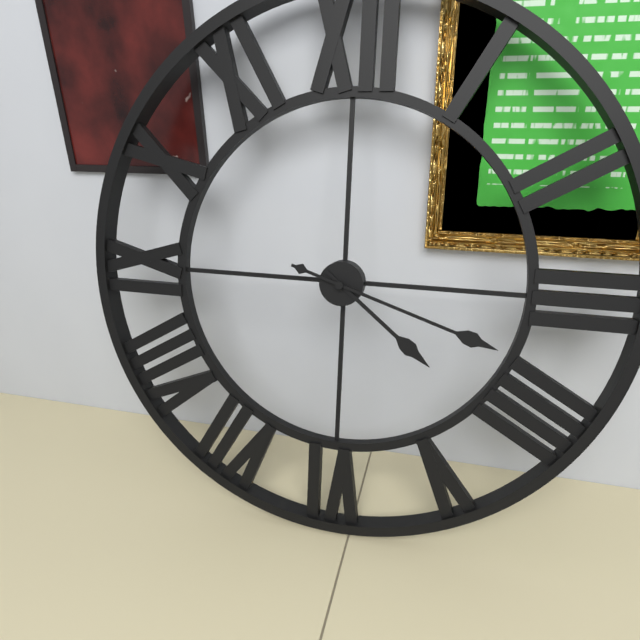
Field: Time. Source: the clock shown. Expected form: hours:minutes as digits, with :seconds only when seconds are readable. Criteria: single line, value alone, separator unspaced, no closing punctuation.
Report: 4:18
